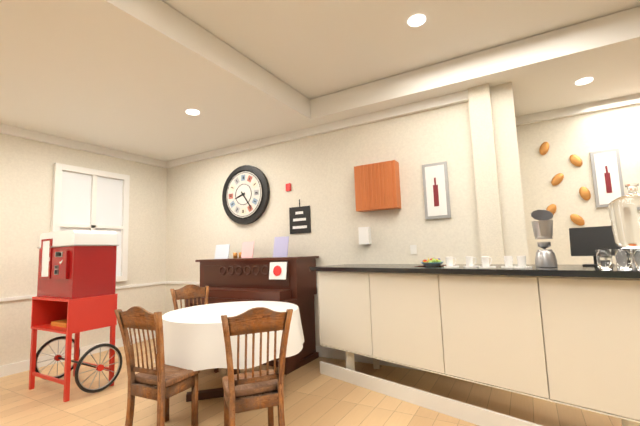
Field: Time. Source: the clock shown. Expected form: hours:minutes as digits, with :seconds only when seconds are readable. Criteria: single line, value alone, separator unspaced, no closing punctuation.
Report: 8:24
